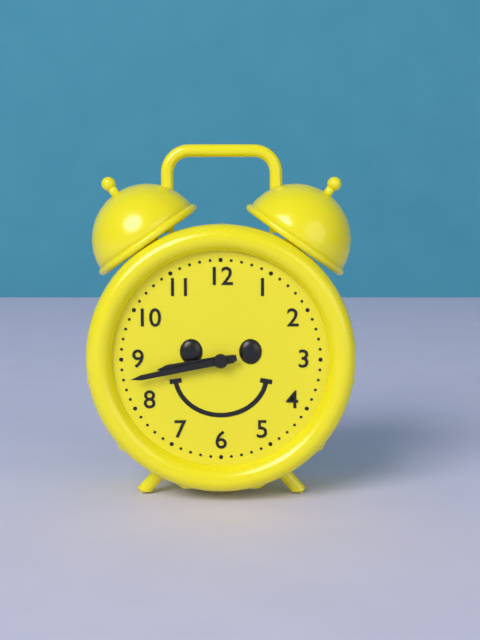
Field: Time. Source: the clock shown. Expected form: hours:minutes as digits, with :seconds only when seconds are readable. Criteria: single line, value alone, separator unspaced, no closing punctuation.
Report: 8:43
